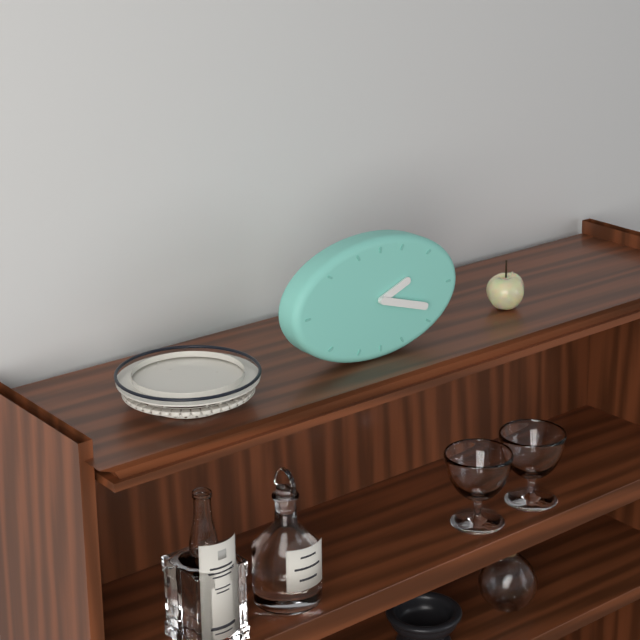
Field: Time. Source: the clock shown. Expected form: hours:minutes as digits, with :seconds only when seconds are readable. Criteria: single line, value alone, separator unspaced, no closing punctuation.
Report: 2:18
